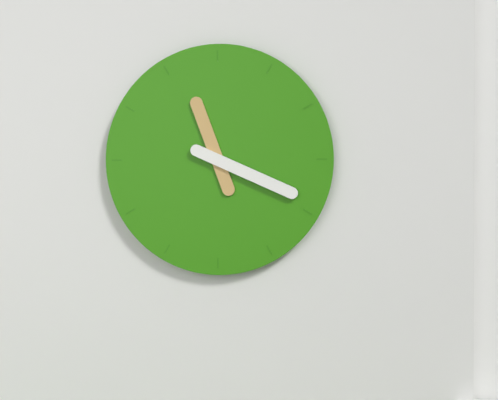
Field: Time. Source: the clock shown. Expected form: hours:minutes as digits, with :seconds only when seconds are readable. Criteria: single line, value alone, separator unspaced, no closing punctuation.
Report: 11:19
